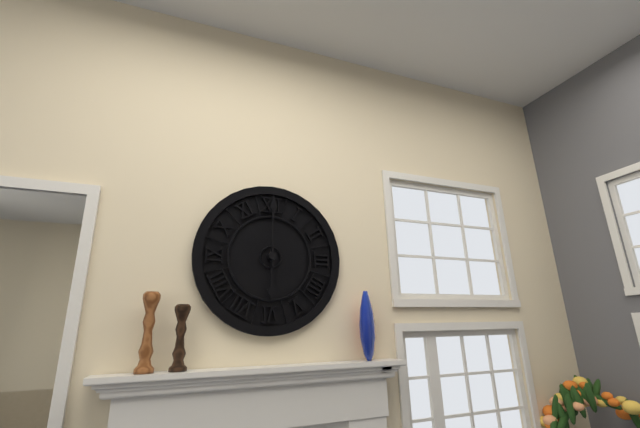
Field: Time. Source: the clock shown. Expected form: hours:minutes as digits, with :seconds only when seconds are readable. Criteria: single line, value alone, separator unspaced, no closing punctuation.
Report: 6:00
